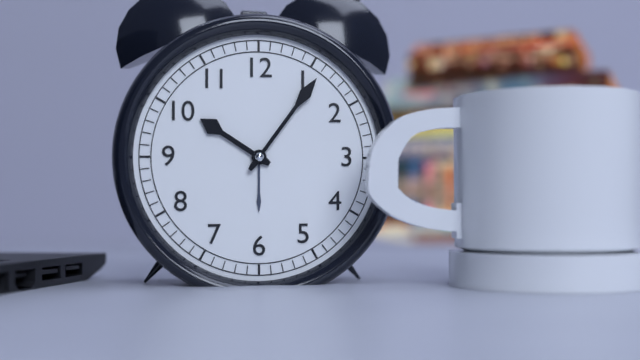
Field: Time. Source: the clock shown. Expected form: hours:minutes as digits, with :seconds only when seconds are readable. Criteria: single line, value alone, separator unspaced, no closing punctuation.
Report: 10:06
